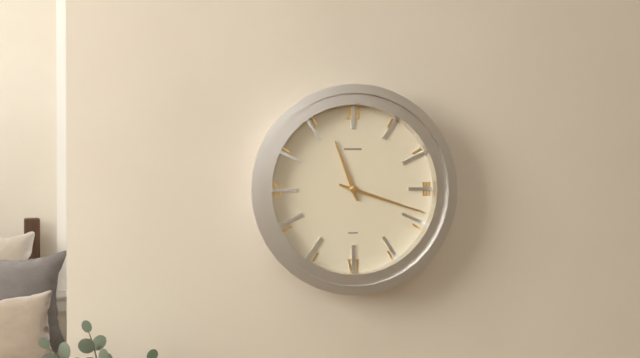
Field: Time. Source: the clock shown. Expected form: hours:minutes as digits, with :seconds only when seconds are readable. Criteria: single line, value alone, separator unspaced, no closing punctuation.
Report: 11:18
